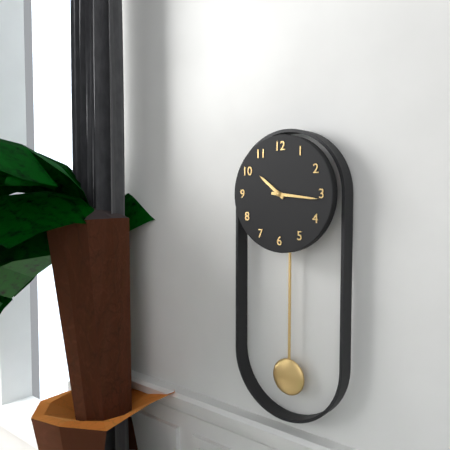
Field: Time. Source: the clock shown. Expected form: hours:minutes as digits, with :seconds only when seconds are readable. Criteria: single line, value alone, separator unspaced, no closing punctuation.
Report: 10:16
